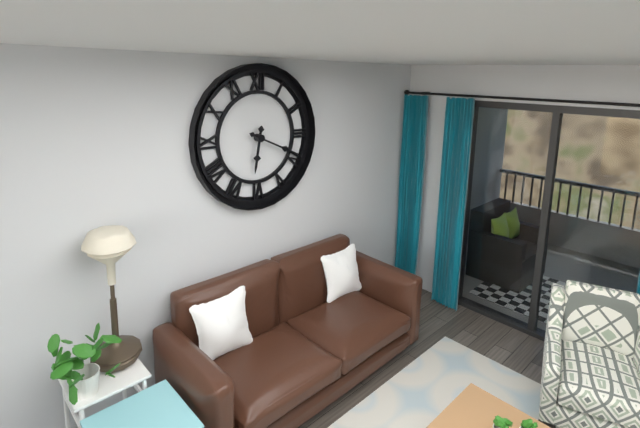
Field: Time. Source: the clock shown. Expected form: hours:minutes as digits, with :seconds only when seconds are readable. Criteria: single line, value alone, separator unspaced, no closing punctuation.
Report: 6:19
